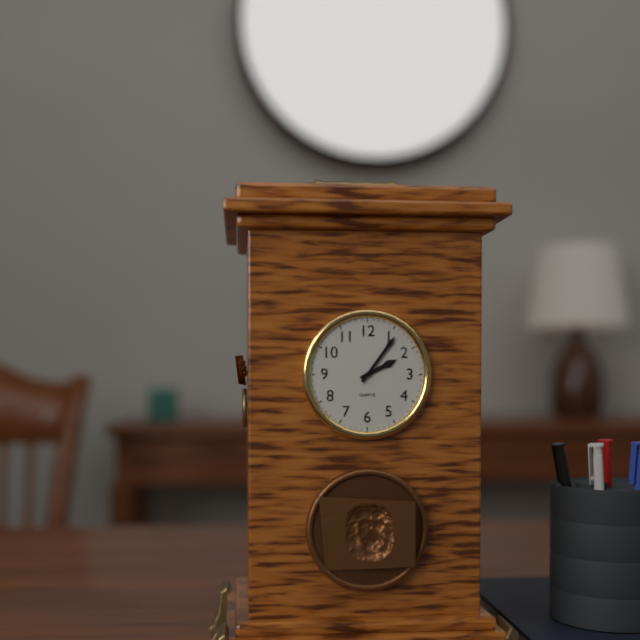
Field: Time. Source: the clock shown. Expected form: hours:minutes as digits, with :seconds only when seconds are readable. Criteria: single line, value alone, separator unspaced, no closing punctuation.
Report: 2:06
